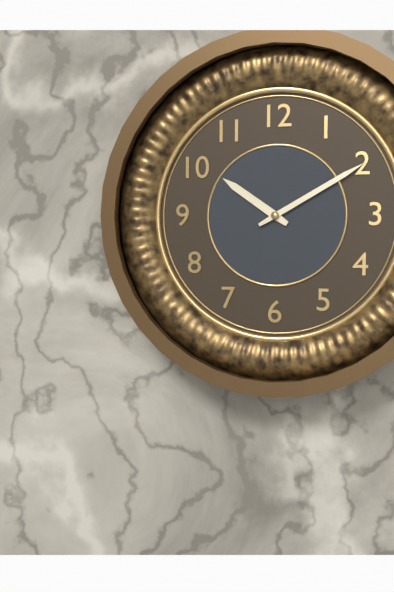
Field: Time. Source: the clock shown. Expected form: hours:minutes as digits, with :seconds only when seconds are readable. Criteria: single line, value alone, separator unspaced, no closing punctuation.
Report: 10:10
